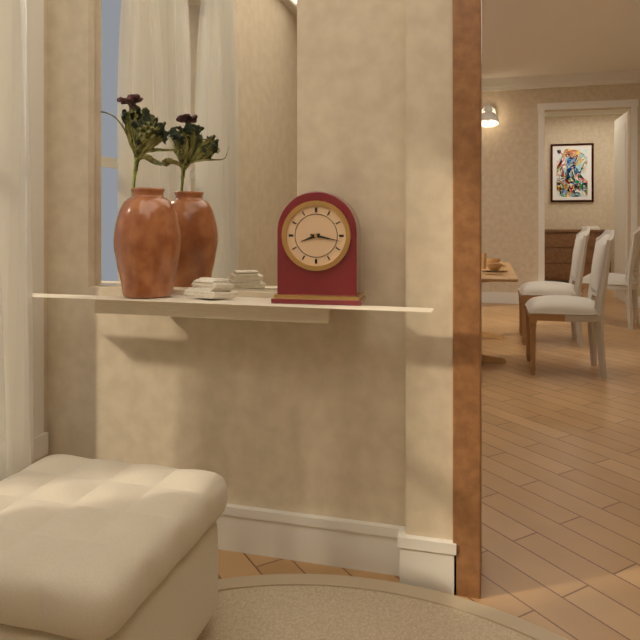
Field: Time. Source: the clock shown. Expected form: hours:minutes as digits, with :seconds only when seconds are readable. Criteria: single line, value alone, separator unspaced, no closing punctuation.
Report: 8:17
